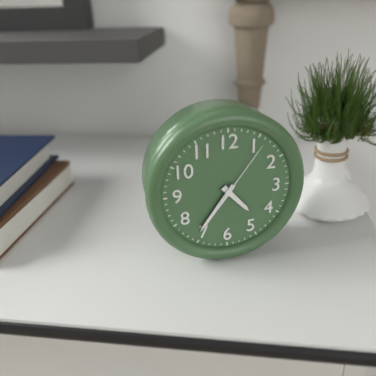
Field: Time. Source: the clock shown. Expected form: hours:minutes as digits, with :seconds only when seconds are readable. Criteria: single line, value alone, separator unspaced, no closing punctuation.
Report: 4:36:06
